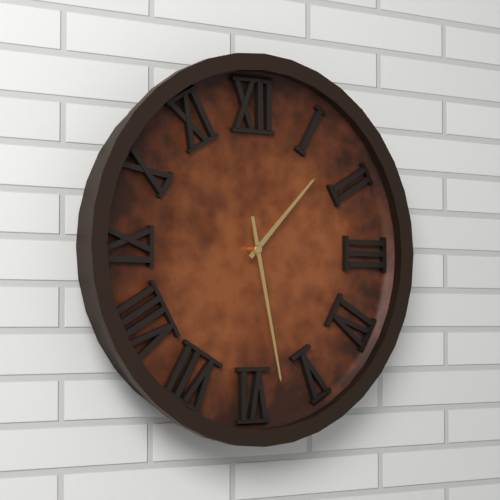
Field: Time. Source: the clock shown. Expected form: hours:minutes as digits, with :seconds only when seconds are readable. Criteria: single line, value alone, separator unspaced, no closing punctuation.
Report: 1:28
